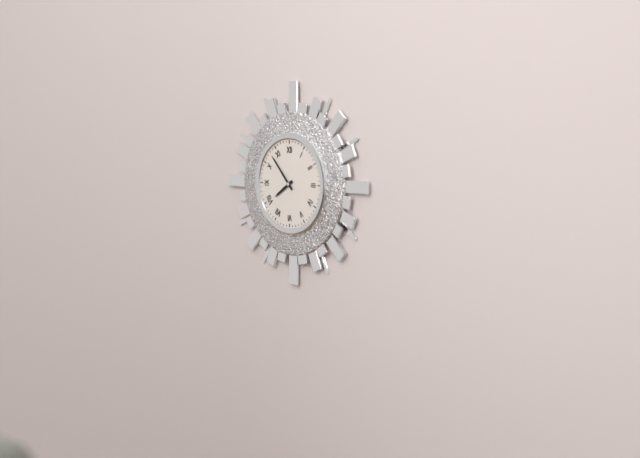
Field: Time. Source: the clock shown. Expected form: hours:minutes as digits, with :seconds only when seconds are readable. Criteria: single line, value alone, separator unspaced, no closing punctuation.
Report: 7:53
